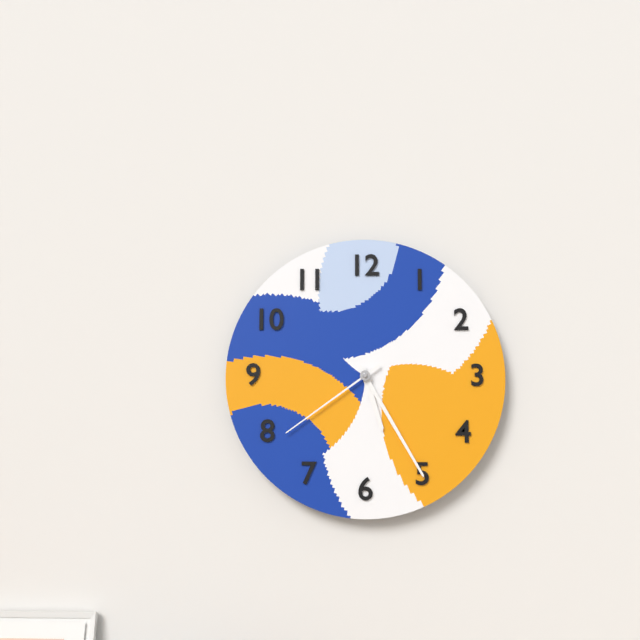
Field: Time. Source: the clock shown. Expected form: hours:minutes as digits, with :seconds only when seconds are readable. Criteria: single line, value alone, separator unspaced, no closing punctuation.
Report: 5:25:39
